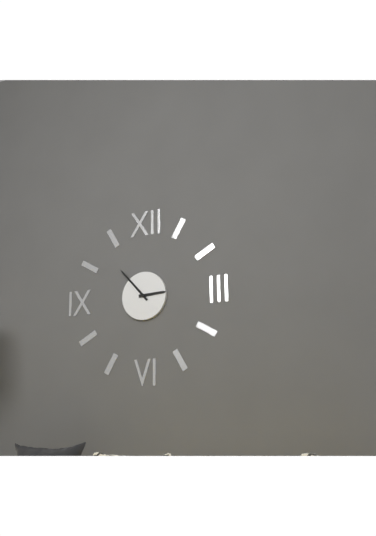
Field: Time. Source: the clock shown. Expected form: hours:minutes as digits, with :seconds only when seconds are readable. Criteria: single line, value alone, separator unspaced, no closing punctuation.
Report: 2:53
